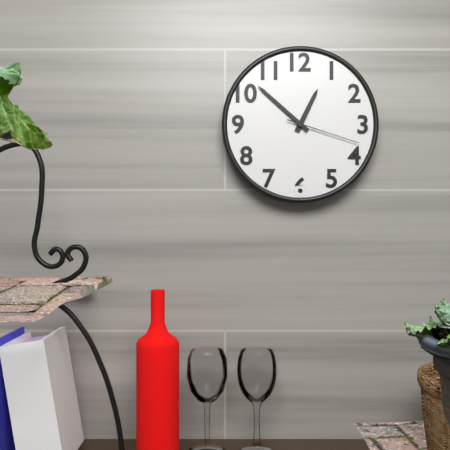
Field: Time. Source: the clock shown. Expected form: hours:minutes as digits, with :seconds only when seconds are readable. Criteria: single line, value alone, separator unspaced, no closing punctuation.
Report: 12:52:18
